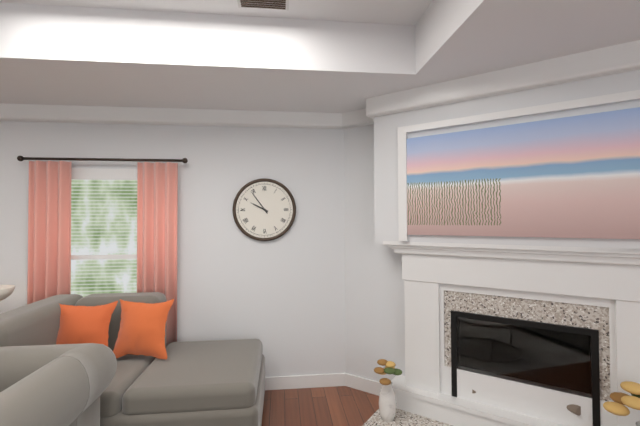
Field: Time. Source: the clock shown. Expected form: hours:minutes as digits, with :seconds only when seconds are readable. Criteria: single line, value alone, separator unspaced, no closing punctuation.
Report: 9:54
